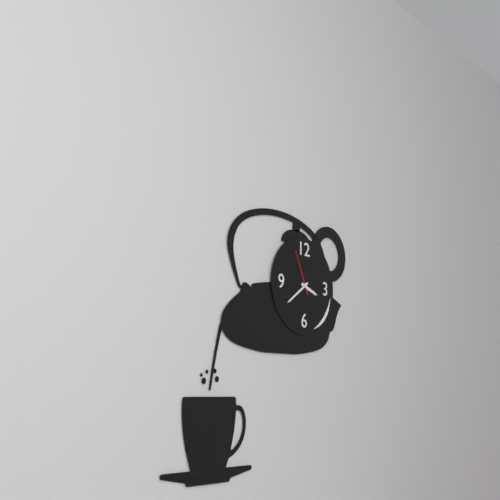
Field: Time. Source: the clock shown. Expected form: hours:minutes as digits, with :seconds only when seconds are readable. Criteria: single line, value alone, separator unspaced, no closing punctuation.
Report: 3:39
